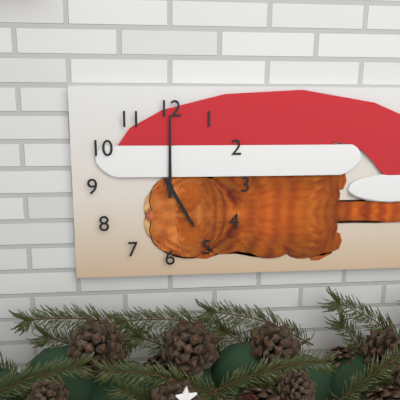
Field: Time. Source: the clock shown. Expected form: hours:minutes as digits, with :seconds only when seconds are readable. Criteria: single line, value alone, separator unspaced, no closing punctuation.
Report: 5:00
